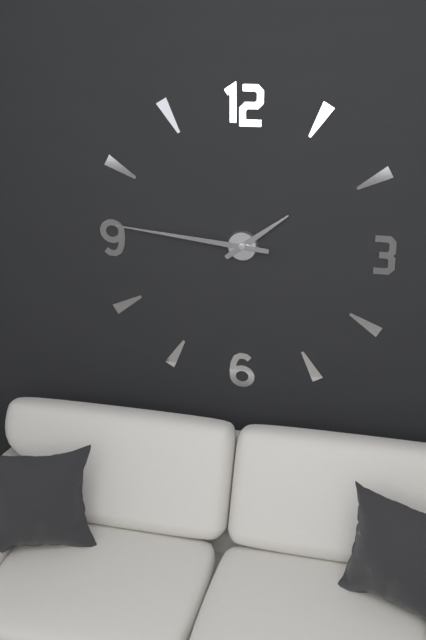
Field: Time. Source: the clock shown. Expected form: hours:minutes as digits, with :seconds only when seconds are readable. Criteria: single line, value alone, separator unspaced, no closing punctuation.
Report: 1:46
